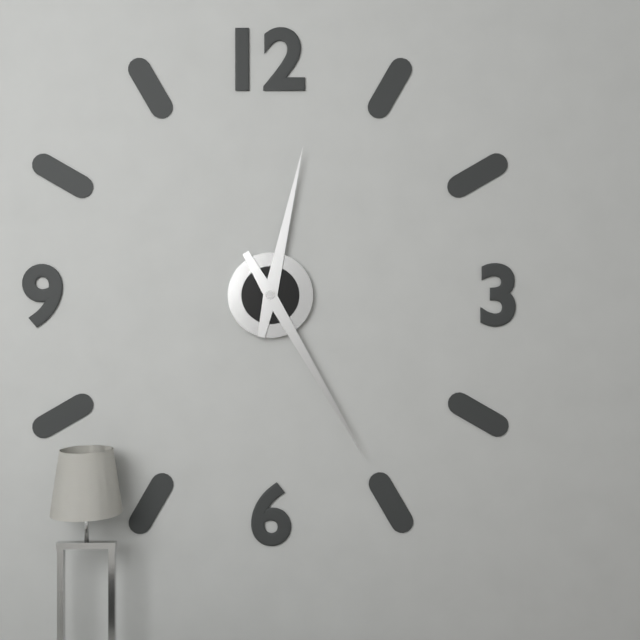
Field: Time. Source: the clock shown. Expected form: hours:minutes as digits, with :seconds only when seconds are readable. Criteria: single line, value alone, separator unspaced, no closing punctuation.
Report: 12:25
